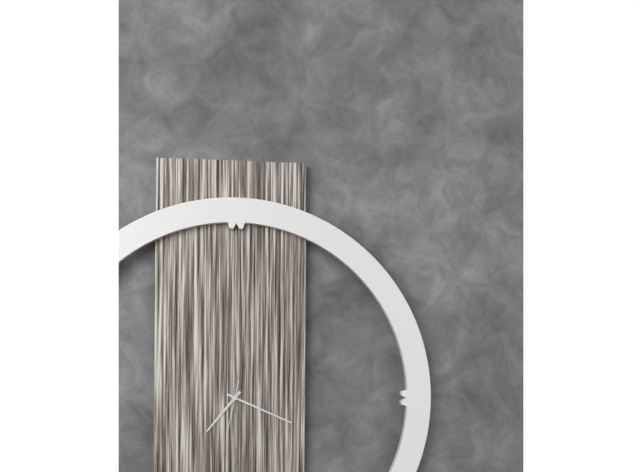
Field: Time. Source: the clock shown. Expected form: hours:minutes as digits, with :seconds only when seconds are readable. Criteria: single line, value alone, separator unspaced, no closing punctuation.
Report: 7:19
